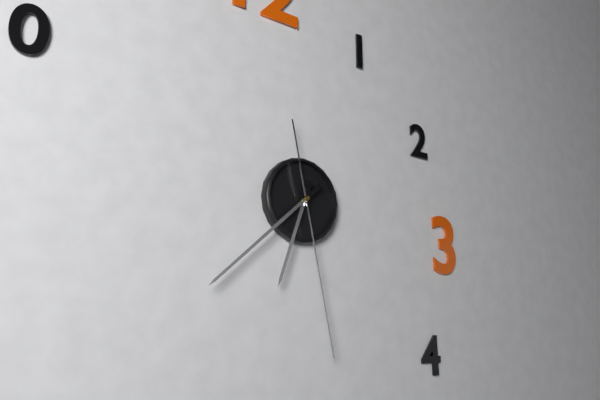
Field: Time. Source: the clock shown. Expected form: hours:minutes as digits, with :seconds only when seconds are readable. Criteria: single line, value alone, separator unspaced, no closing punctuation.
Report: 6:38:28
